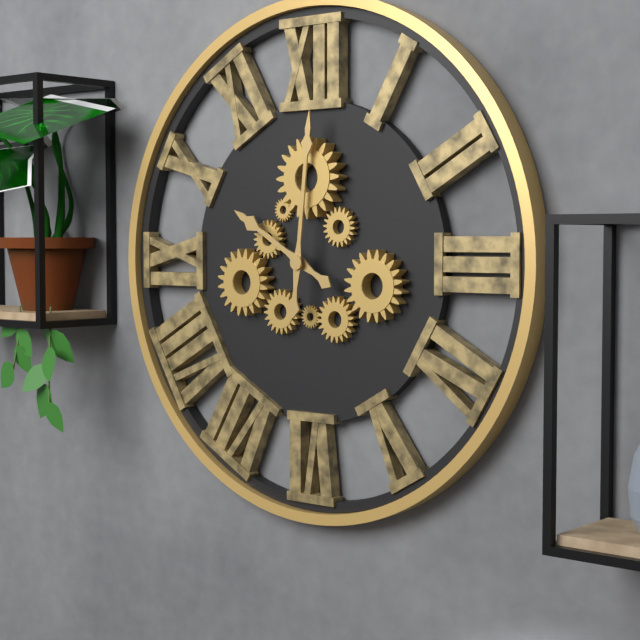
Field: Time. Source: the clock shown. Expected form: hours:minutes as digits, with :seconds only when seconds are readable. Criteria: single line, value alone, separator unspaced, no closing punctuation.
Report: 10:01
